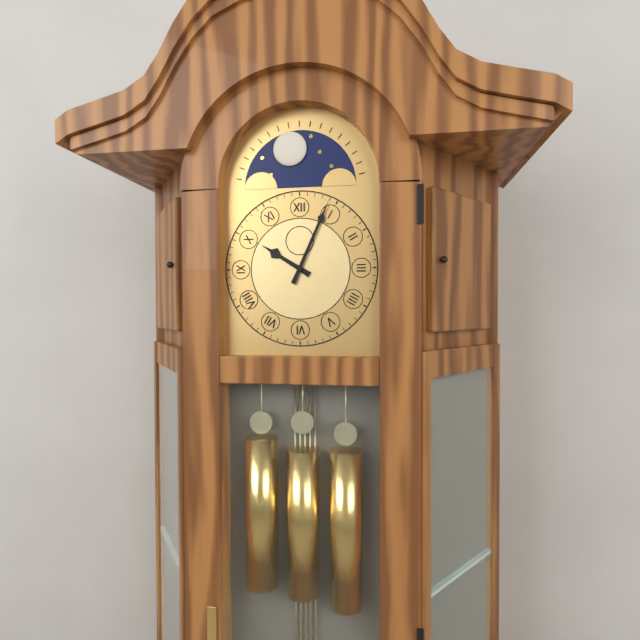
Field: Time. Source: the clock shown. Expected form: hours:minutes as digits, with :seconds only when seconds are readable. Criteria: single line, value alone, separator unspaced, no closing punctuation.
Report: 10:04
